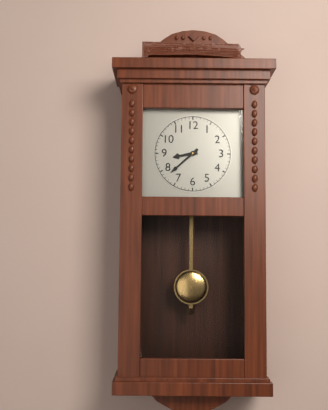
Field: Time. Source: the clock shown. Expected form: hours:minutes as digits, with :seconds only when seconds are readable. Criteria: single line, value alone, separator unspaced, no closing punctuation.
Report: 8:38
